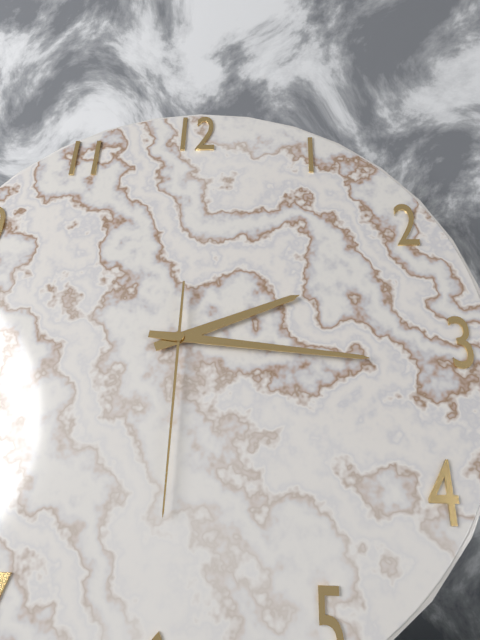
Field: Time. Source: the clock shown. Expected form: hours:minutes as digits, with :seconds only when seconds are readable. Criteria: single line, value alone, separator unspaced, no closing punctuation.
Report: 2:16:30
